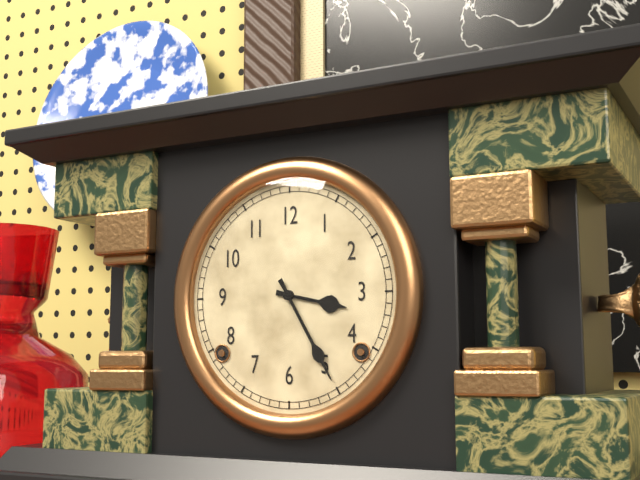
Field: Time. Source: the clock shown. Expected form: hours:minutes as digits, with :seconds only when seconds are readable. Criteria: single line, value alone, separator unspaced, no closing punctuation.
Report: 3:25
